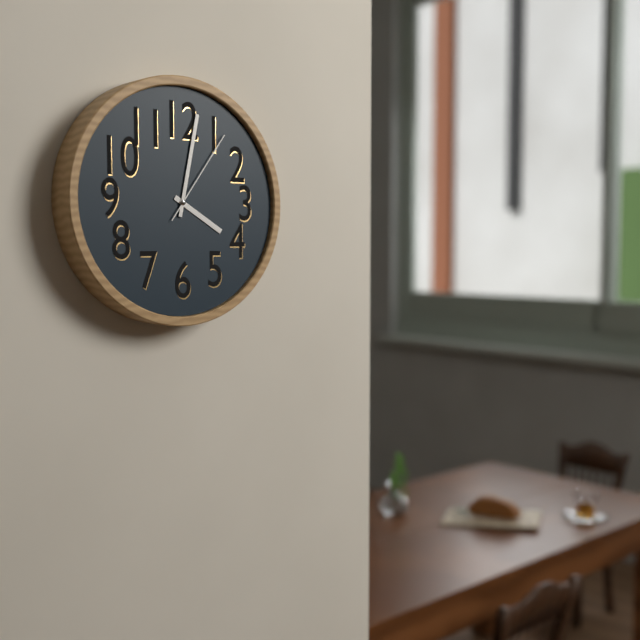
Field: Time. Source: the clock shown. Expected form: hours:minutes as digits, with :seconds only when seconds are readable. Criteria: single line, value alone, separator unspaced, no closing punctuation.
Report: 4:02:06
